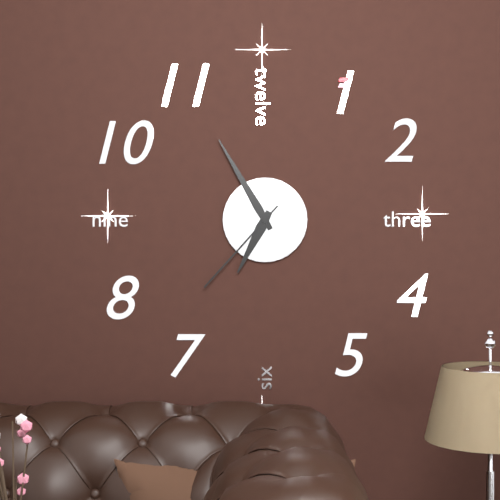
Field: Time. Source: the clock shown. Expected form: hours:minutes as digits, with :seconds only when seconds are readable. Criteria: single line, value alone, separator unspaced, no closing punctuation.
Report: 6:55:37
